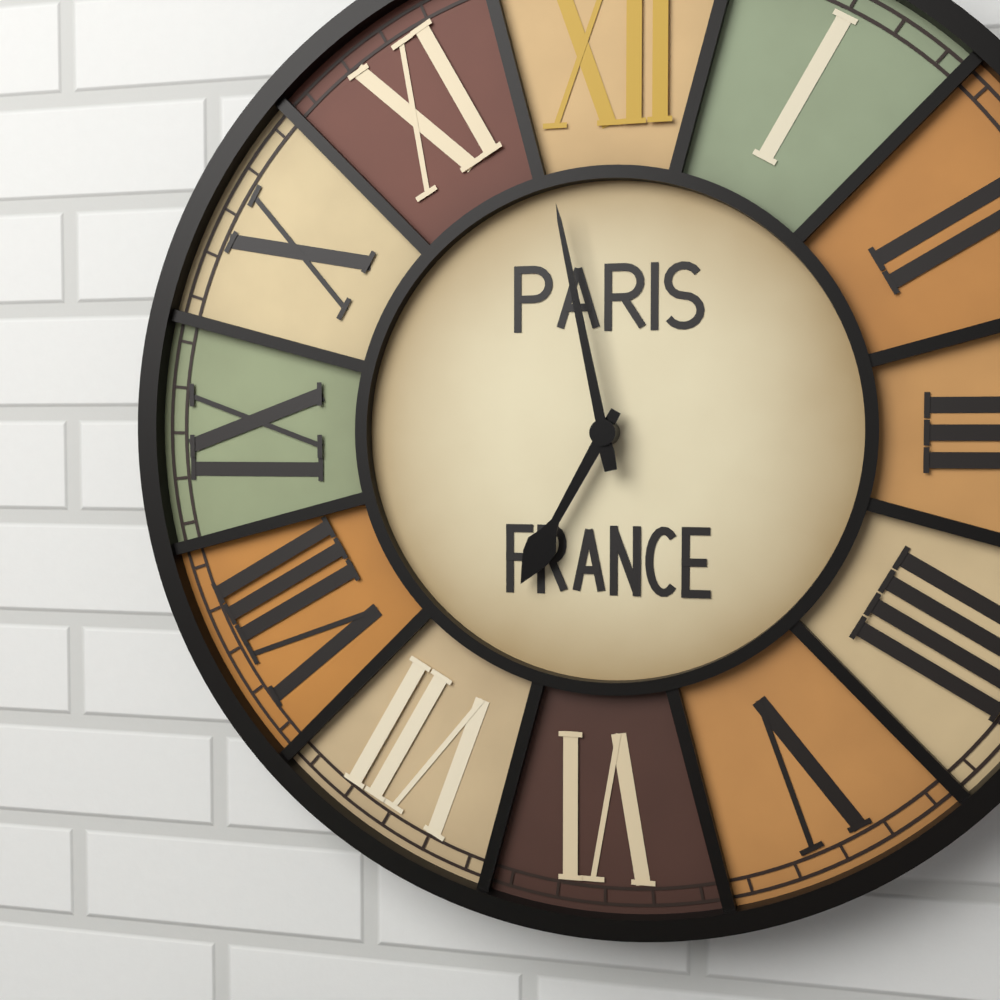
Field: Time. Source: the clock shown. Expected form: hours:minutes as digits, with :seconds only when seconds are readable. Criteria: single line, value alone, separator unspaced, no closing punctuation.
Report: 6:58
